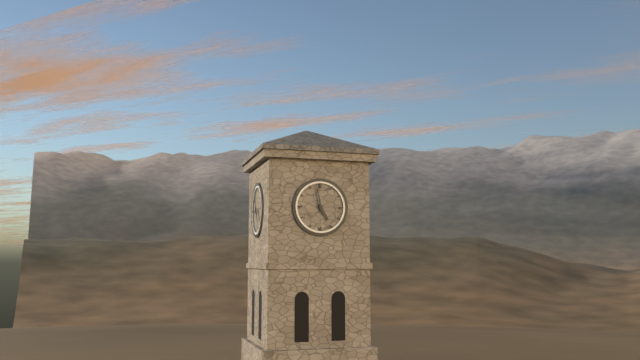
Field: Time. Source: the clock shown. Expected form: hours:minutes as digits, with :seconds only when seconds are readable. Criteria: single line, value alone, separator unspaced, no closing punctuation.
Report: 4:58
